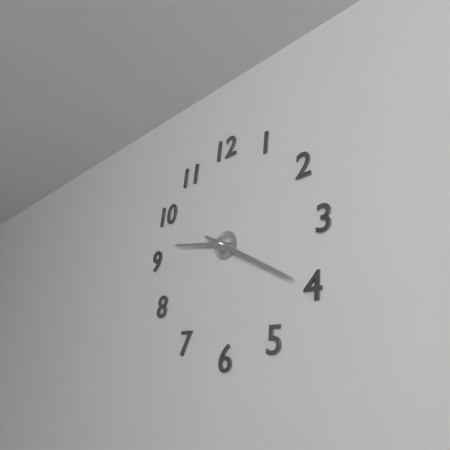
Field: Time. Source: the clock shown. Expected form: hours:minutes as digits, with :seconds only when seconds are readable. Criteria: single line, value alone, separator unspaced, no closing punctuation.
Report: 9:20
